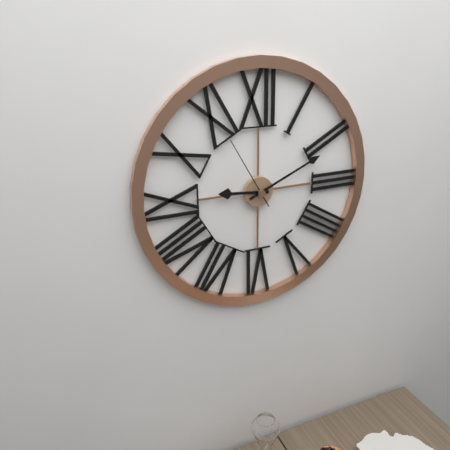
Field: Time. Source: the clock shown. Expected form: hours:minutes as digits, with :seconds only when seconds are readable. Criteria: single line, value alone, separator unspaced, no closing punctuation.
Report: 9:11:55
